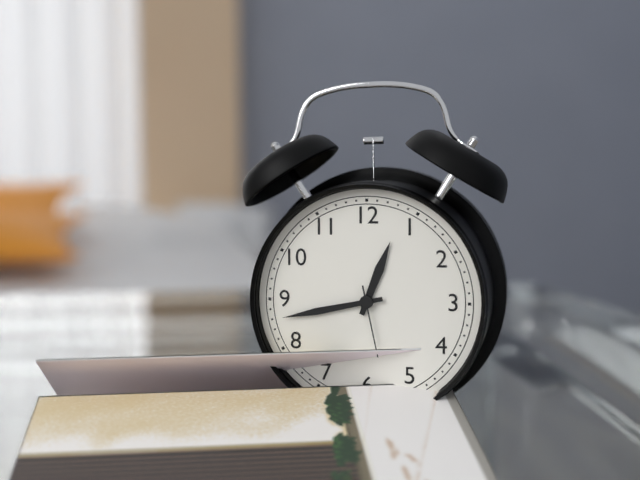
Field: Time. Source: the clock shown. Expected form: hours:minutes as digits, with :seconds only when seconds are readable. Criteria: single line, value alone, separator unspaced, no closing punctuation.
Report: 12:43:28
